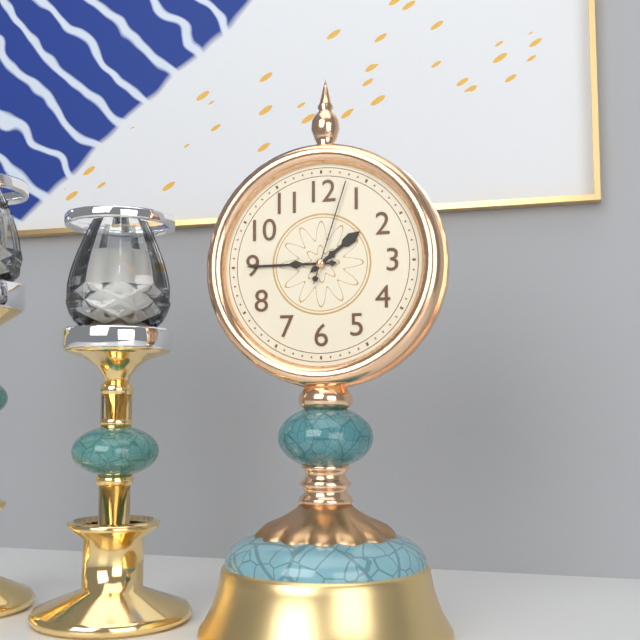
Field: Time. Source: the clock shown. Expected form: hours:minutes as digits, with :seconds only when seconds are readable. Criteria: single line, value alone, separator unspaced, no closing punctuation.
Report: 1:45:03
